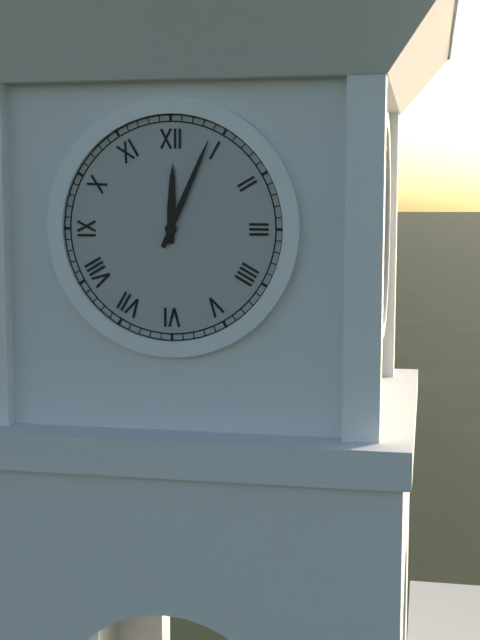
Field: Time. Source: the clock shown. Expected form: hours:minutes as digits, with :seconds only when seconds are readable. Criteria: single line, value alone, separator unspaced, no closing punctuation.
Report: 12:04
